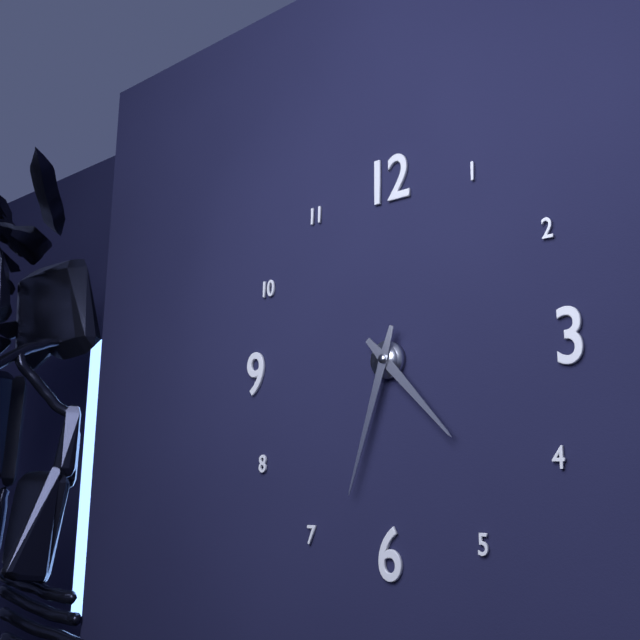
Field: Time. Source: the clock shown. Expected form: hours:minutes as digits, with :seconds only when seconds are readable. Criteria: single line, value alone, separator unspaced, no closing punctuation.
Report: 4:33
